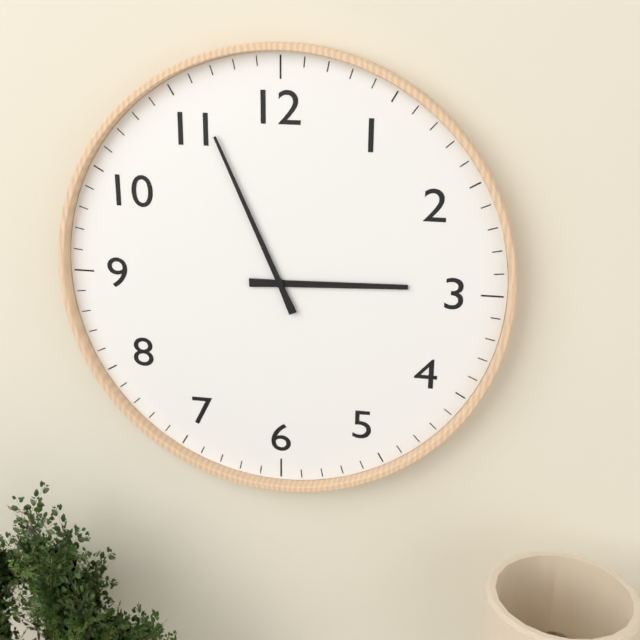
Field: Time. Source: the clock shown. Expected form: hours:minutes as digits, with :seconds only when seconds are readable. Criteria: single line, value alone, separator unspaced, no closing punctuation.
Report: 2:56
